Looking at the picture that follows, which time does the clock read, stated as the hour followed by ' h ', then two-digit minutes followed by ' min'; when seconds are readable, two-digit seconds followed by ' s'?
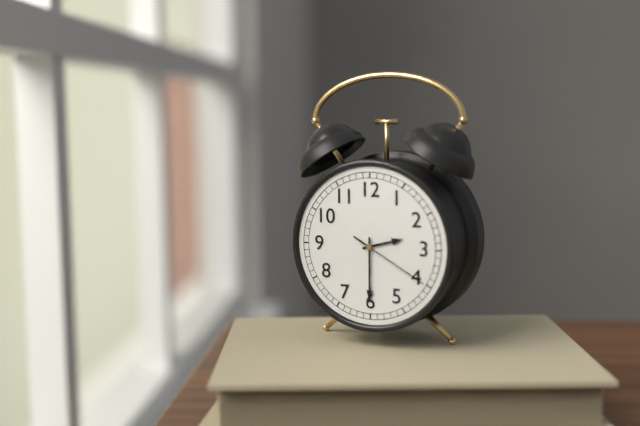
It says 2 h 30 min 20 s
